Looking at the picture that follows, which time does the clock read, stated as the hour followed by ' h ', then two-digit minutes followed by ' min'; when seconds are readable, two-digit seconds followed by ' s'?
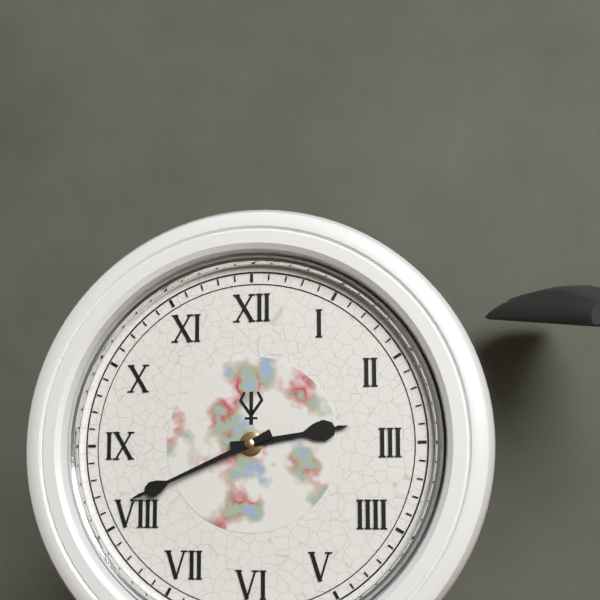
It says 2 h 41 min
